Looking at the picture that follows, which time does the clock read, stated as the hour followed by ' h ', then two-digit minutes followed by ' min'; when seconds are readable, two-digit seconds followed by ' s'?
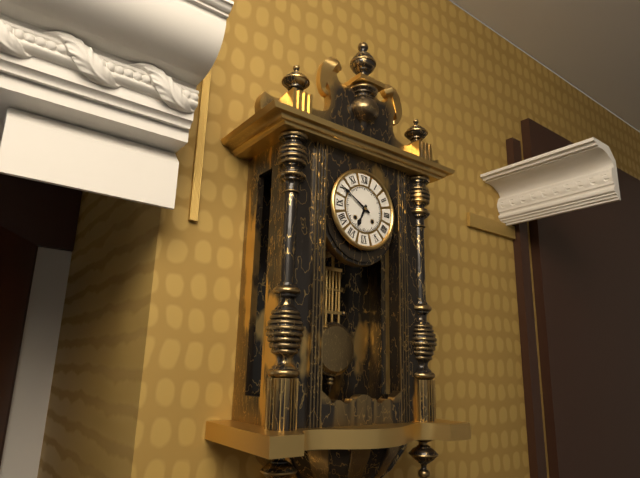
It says 6 h 50 min
